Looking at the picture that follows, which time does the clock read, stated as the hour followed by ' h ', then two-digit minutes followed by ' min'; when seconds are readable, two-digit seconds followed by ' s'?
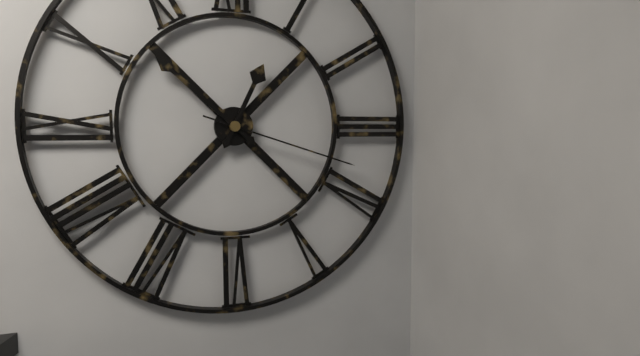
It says 12 h 52 min 18 s
